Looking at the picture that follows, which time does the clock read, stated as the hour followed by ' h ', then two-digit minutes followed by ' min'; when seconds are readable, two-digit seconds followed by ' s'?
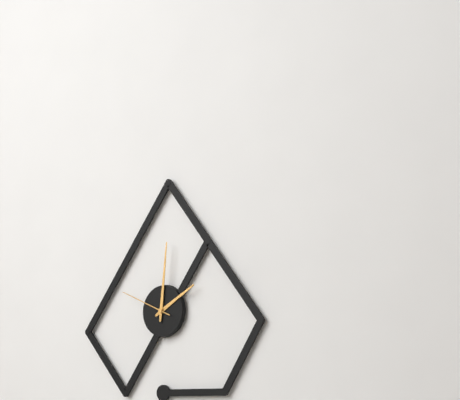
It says 2 h 01 min 49 s
